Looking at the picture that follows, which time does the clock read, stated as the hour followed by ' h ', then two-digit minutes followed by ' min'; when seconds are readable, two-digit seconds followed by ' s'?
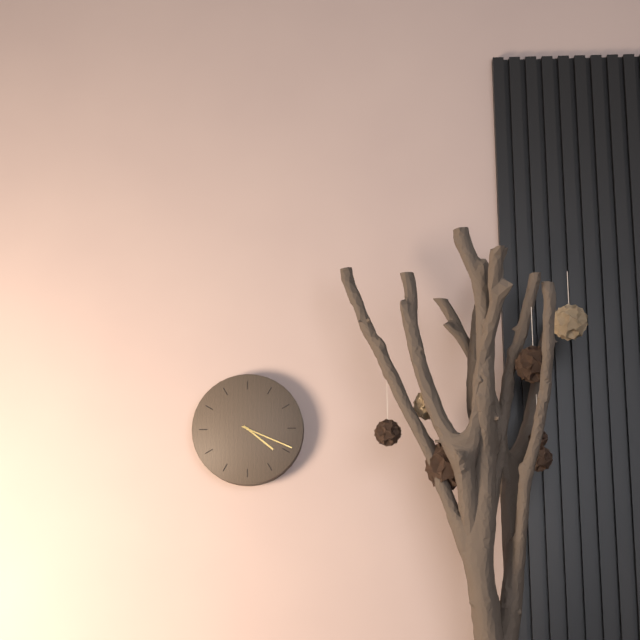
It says 4 h 19 min
